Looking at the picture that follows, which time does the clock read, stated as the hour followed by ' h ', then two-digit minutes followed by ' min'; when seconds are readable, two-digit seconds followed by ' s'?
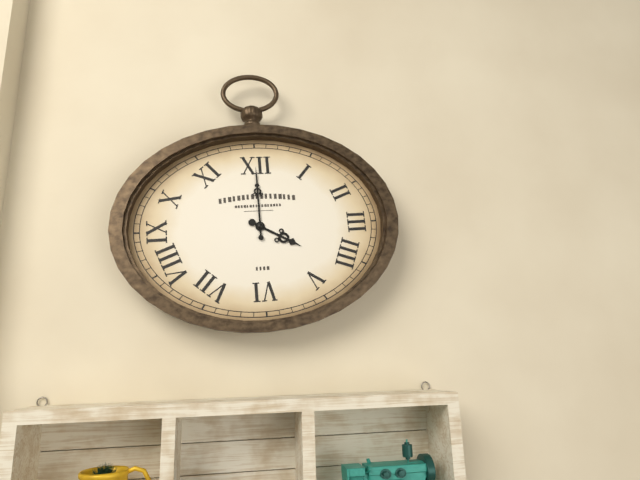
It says 4 h 00 min
